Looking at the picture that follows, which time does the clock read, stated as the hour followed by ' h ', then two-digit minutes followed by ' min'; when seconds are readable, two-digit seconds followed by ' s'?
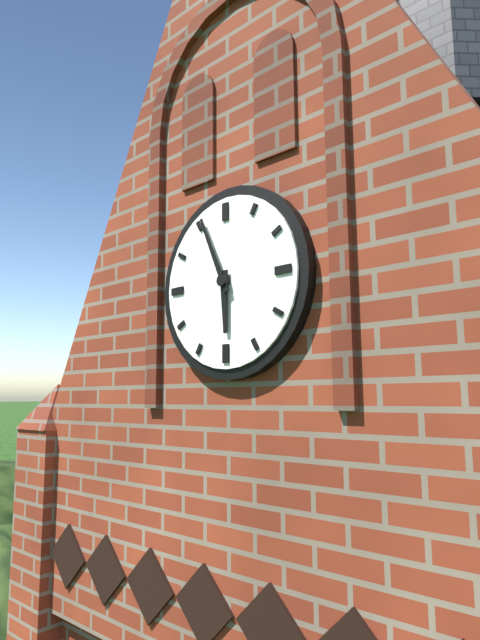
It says 5 h 56 min
